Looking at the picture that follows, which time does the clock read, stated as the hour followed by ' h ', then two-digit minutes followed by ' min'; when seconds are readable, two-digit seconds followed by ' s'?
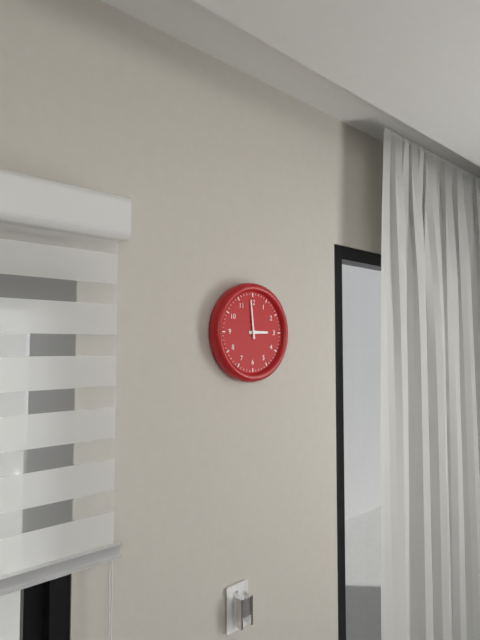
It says 2 h 59 min
